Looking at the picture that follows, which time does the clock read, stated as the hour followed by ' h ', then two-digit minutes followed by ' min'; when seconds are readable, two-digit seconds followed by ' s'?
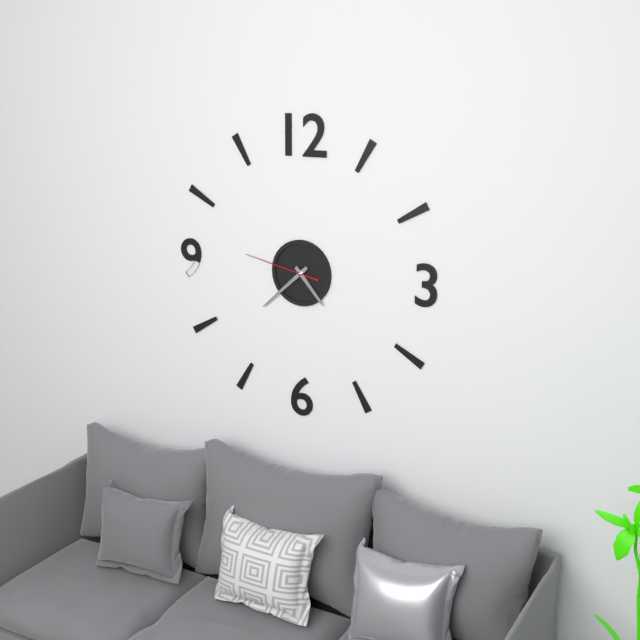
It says 4 h 38 min 47 s
